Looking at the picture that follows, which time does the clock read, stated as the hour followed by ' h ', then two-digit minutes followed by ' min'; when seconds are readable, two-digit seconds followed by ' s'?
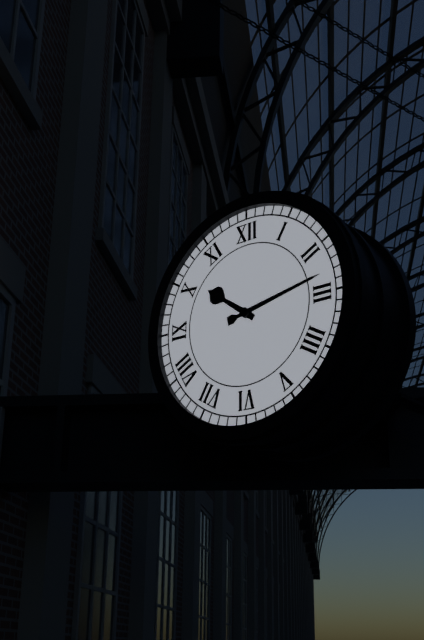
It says 10 h 13 min
